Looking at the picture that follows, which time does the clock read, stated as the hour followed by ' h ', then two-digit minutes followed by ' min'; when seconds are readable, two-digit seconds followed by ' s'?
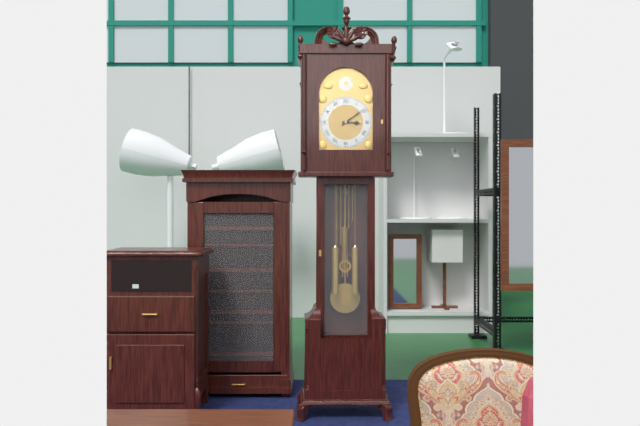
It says 3 h 09 min
